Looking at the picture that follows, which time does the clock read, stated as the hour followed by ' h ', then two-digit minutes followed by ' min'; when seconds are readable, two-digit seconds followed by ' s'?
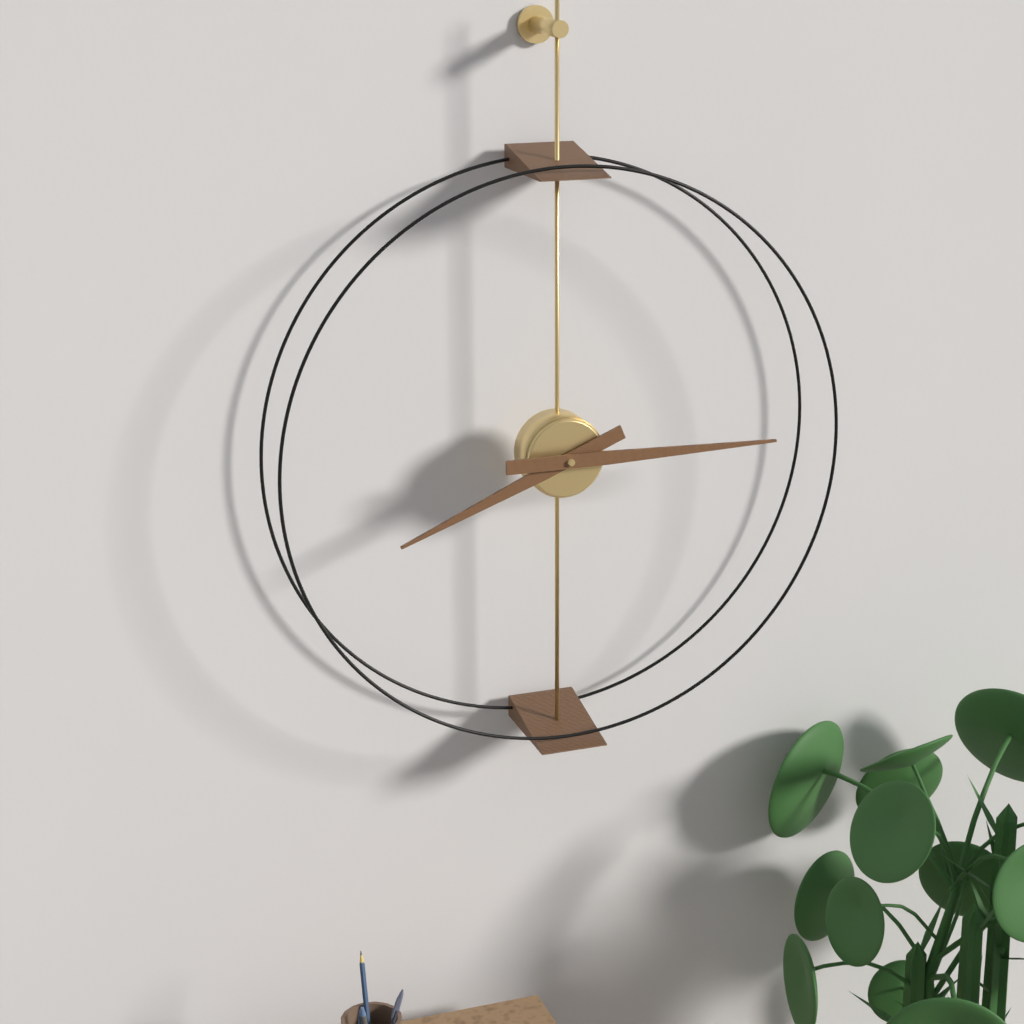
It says 8 h 15 min
